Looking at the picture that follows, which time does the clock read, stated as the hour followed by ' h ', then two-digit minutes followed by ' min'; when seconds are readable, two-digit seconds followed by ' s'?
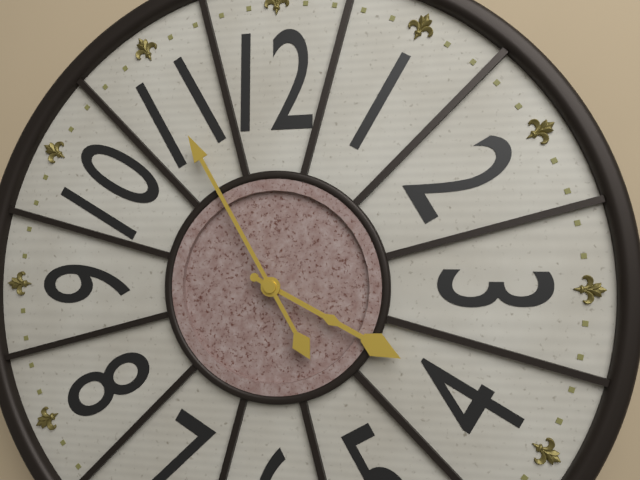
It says 3 h 55 min
